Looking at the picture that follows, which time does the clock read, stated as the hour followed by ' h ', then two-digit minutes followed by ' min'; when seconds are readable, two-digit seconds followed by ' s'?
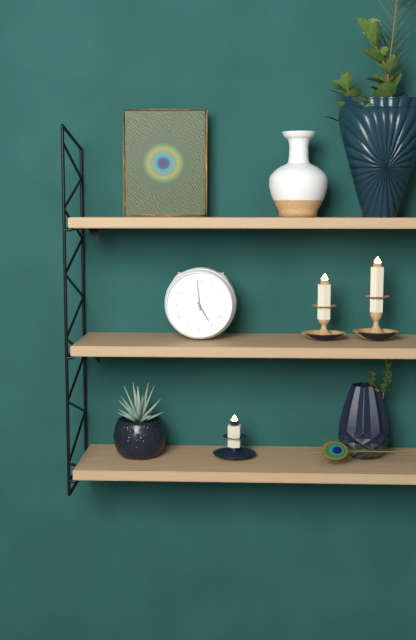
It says 4 h 59 min
